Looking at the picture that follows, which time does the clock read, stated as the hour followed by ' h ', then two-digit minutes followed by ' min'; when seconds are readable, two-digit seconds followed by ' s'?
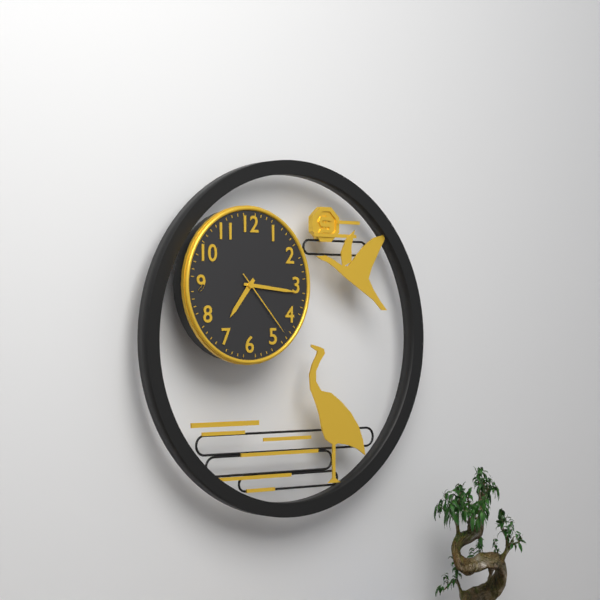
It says 7 h 16 min 23 s
